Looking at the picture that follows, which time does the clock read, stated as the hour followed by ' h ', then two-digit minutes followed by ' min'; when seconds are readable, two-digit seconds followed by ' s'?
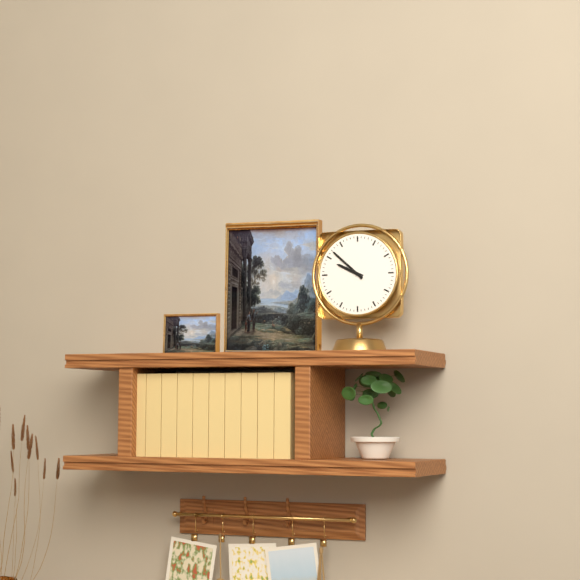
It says 9 h 52 min
